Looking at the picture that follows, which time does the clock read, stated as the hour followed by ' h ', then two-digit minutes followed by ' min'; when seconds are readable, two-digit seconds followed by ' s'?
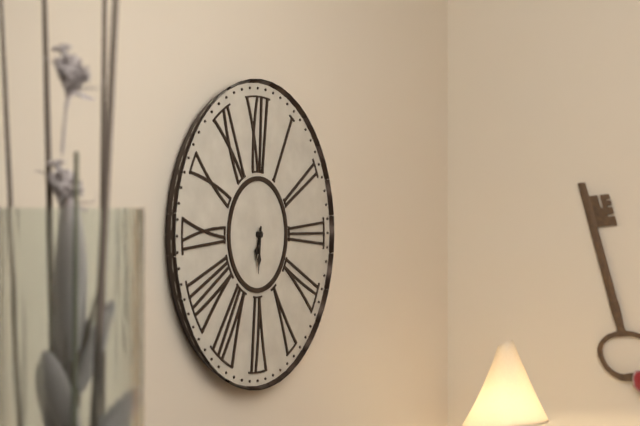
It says 6 h 31 min
